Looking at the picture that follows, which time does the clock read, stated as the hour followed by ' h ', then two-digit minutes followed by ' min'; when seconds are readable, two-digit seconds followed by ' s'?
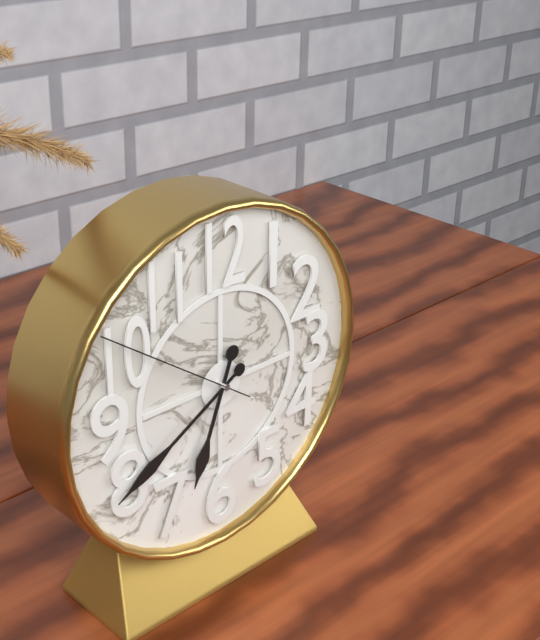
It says 6 h 40 min 51 s
